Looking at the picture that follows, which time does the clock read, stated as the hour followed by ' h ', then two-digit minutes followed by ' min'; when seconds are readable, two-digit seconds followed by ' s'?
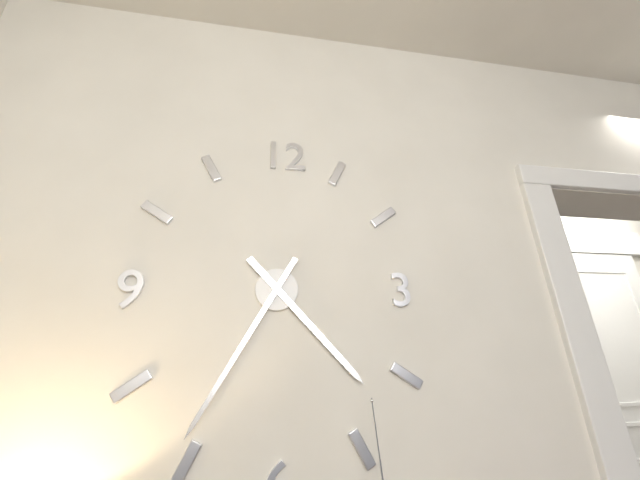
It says 4 h 35 min
